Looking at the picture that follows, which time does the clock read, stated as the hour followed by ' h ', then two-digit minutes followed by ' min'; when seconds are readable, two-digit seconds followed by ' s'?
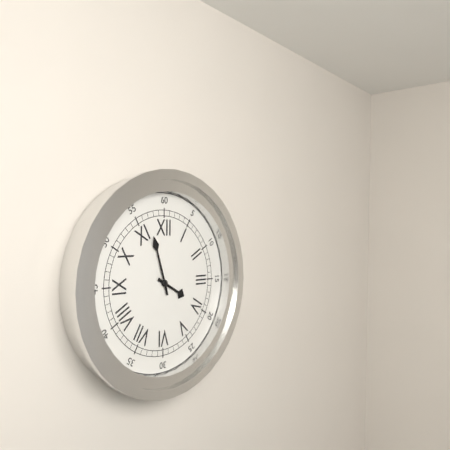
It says 3 h 57 min
